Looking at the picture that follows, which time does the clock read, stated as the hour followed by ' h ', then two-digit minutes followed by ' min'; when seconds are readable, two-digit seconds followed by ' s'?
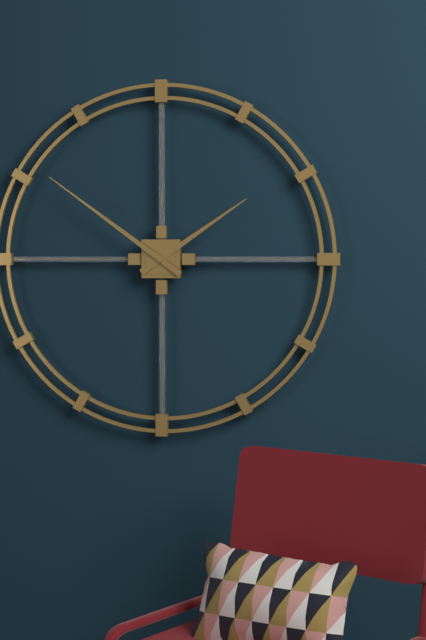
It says 1 h 51 min
